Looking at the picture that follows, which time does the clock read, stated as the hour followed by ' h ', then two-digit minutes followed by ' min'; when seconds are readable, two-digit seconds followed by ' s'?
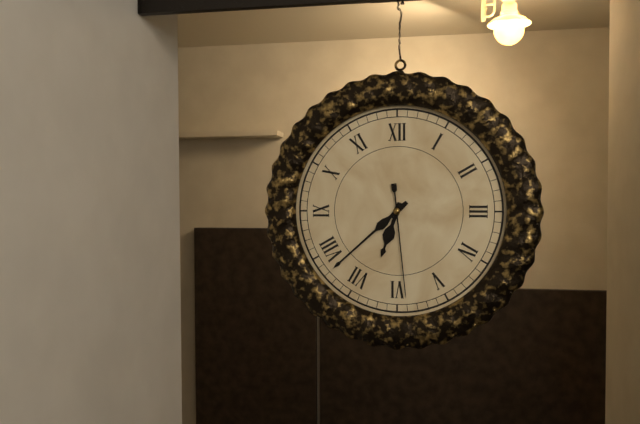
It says 6 h 38 min 29 s
